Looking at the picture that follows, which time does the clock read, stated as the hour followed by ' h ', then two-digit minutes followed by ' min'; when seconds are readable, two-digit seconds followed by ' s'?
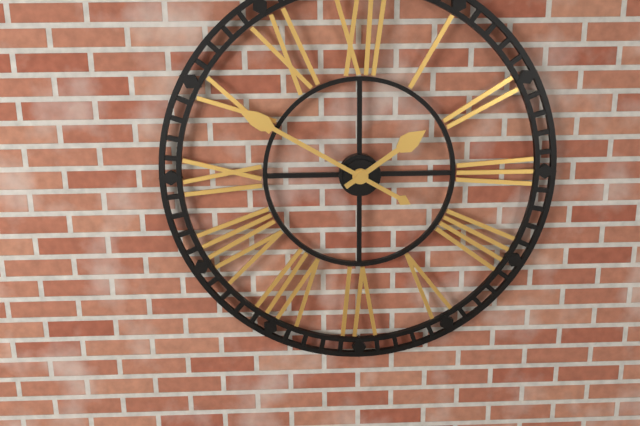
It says 1 h 50 min
